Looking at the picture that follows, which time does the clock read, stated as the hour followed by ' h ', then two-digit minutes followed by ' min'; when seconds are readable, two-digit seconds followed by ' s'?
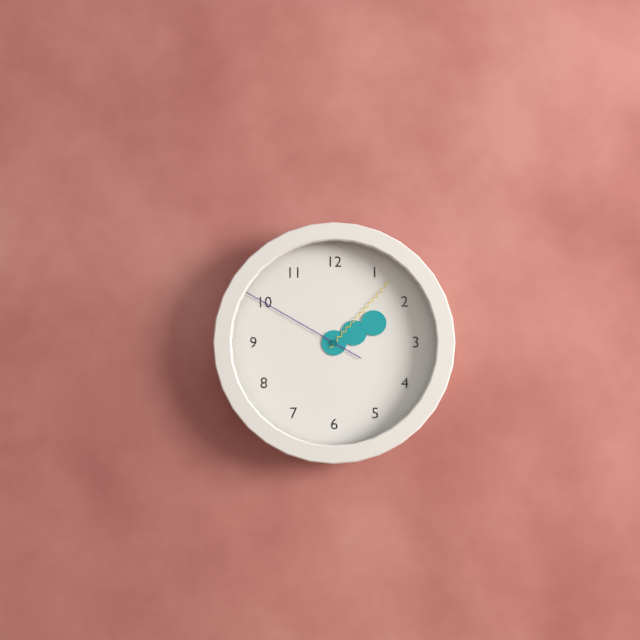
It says 2 h 07 min 50 s
